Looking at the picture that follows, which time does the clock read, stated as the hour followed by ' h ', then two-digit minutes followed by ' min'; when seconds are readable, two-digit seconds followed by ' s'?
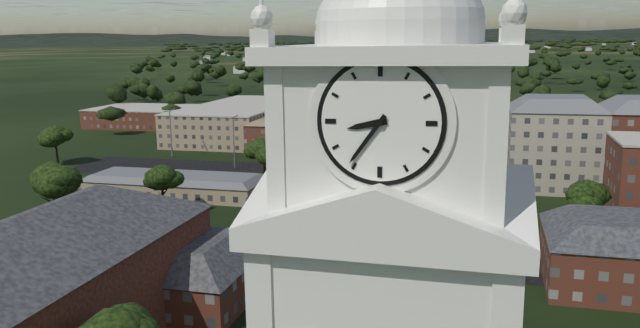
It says 8 h 36 min
